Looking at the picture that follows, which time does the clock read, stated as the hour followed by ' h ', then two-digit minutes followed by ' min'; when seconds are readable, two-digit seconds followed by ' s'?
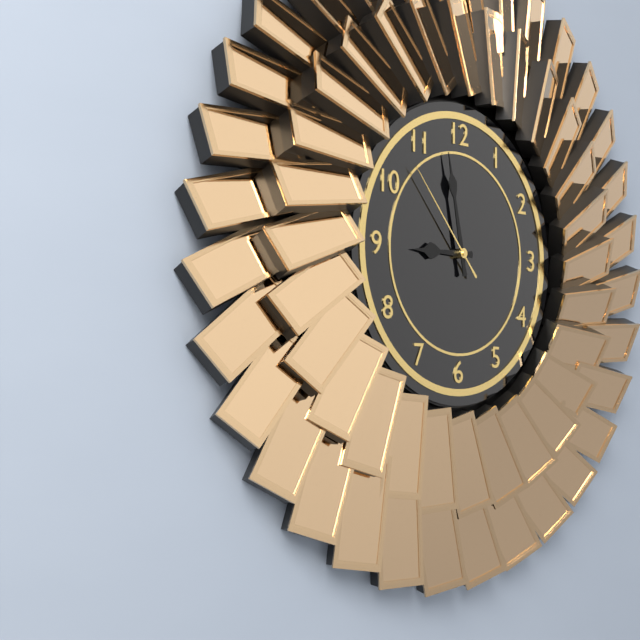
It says 8 h 58 min 53 s
